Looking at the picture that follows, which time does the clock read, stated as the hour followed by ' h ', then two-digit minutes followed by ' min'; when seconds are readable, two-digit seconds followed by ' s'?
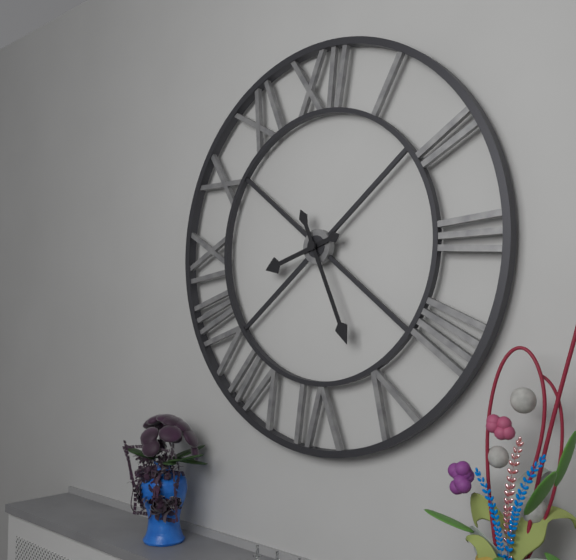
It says 8 h 26 min
